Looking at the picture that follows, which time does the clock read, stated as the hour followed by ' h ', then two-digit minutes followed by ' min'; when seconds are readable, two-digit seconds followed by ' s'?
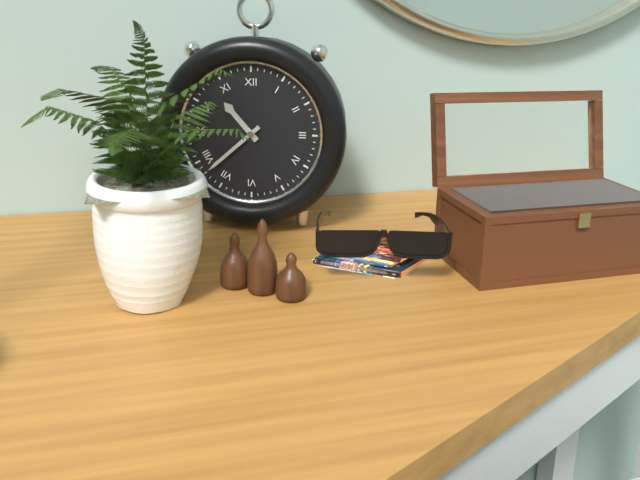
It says 10 h 38 min
